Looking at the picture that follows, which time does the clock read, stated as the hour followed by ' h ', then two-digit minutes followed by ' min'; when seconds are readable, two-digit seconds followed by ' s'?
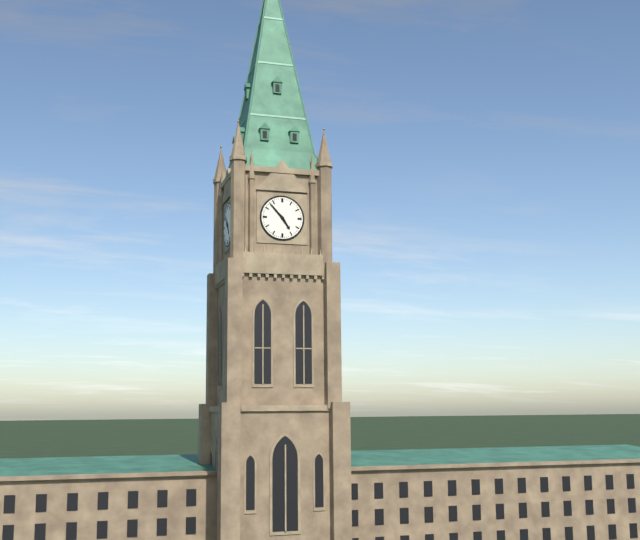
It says 4 h 53 min
